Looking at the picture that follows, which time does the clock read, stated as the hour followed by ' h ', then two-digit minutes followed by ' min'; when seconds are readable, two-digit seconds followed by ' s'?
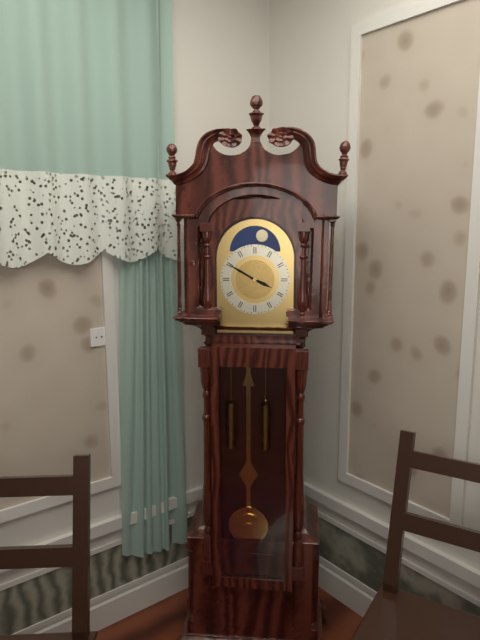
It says 3 h 50 min
